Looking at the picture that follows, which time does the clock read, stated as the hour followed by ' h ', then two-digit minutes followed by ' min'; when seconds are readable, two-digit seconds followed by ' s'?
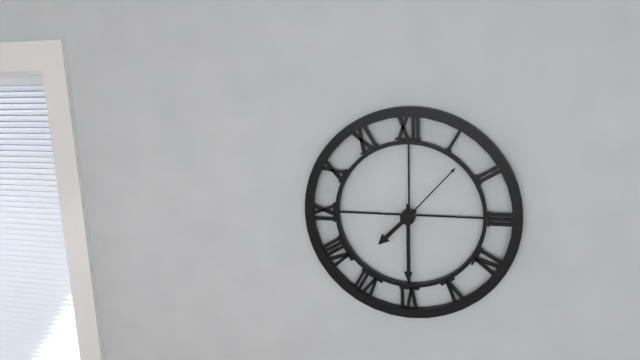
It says 7 h 30 min 07 s
